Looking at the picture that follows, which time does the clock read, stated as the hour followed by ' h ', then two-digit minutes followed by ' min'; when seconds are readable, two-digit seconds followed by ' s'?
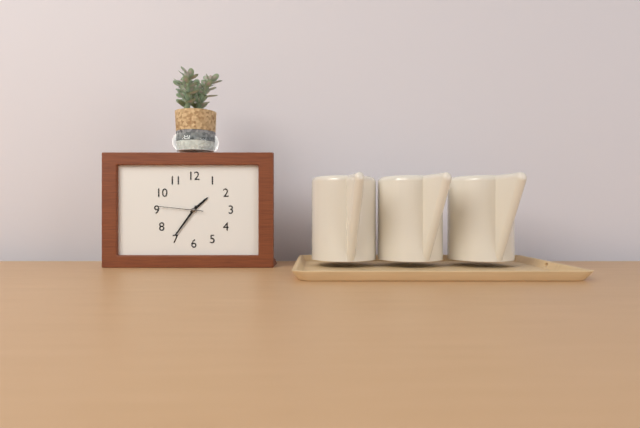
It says 1 h 36 min
